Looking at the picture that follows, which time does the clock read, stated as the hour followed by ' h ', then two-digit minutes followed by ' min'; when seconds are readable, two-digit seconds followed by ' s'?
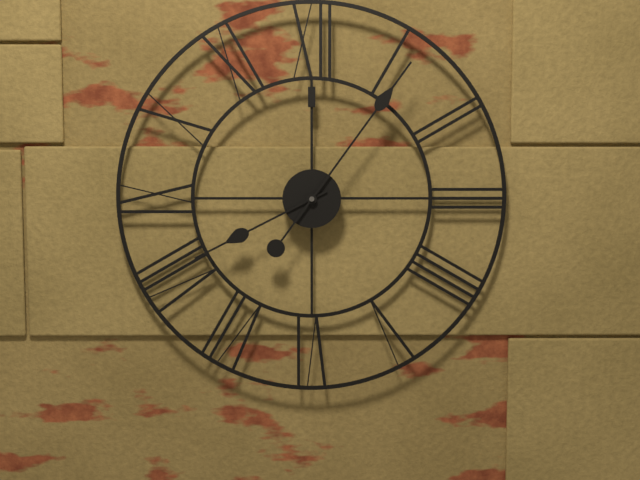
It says 8 h 06 min
